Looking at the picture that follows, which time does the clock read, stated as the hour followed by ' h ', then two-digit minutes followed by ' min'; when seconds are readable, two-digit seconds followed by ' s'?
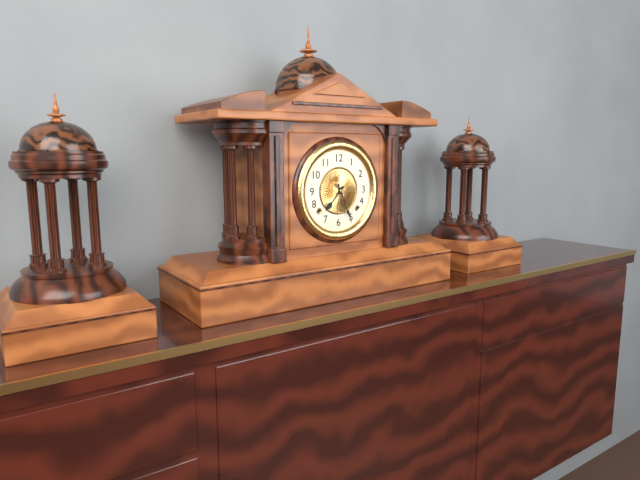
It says 7 h 26 min
